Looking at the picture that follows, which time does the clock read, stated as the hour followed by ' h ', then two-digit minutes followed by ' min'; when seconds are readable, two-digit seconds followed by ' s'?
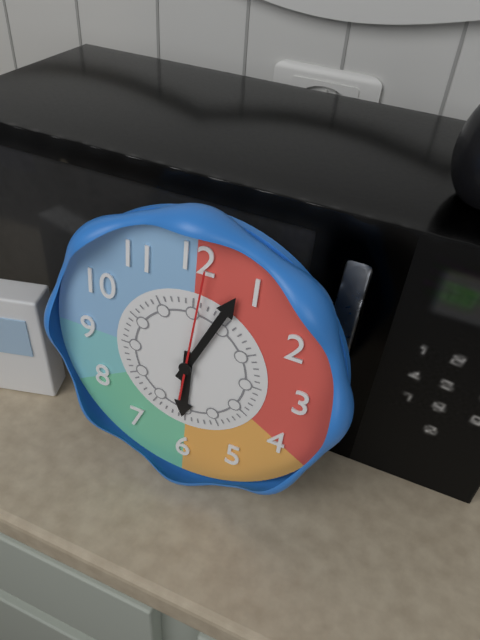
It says 6 h 04 min 01 s
